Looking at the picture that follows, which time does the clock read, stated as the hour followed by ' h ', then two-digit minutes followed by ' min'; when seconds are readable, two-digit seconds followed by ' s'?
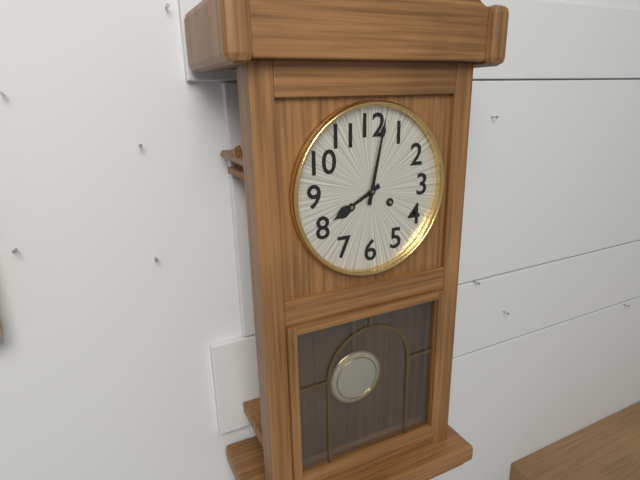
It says 8 h 02 min
